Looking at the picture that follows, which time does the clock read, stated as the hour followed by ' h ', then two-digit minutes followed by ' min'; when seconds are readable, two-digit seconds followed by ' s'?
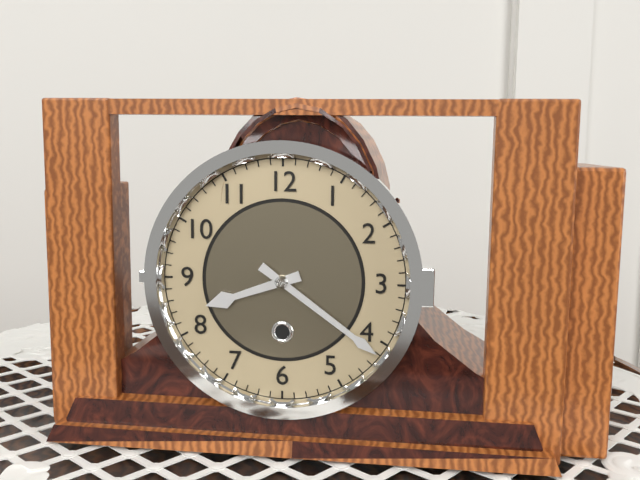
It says 8 h 21 min
